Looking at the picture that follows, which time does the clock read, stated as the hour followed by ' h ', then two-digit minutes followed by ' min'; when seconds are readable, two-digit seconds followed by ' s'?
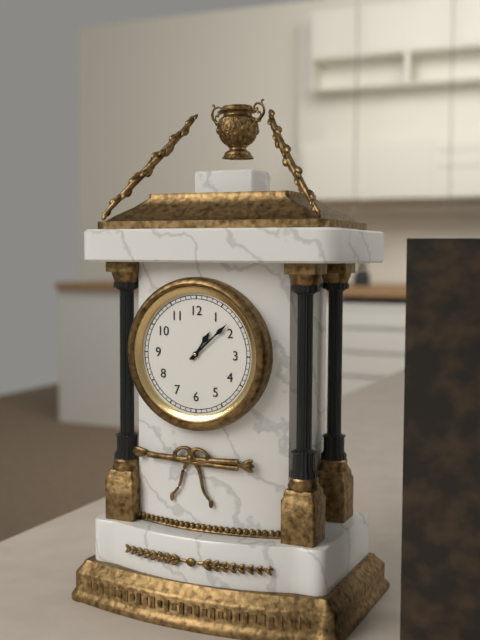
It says 1 h 08 min
